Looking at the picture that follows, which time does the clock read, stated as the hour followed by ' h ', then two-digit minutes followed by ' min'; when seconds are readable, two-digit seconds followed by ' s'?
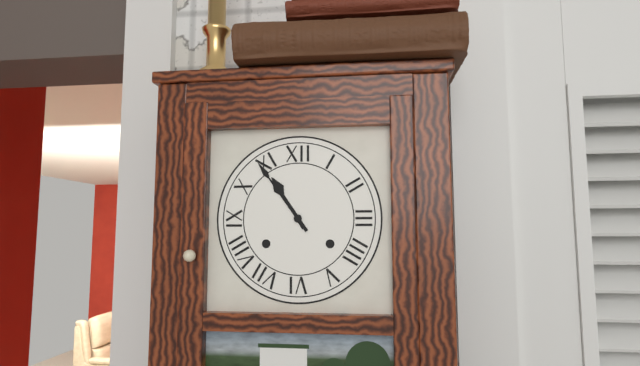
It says 10 h 54 min
